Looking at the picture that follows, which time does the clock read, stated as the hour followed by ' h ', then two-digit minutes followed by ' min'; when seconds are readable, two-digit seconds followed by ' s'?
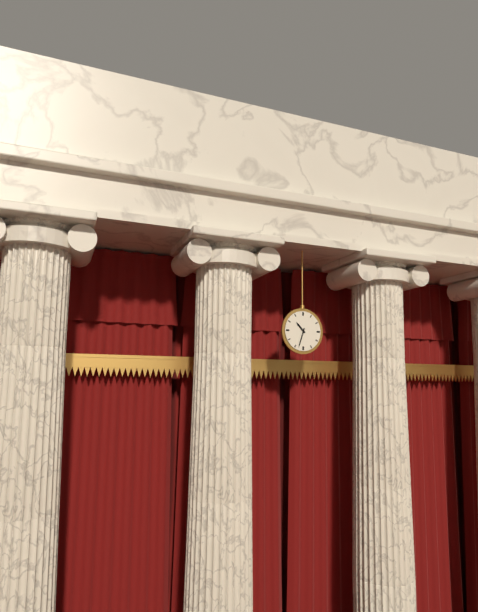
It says 10 h 33 min
